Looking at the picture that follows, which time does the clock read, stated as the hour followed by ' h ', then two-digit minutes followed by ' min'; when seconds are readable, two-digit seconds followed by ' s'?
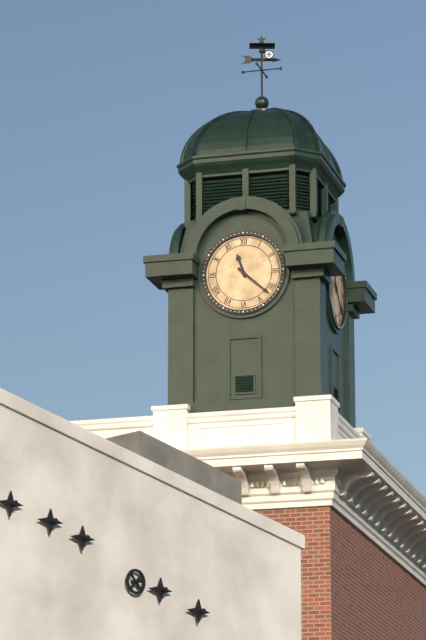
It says 11 h 22 min
